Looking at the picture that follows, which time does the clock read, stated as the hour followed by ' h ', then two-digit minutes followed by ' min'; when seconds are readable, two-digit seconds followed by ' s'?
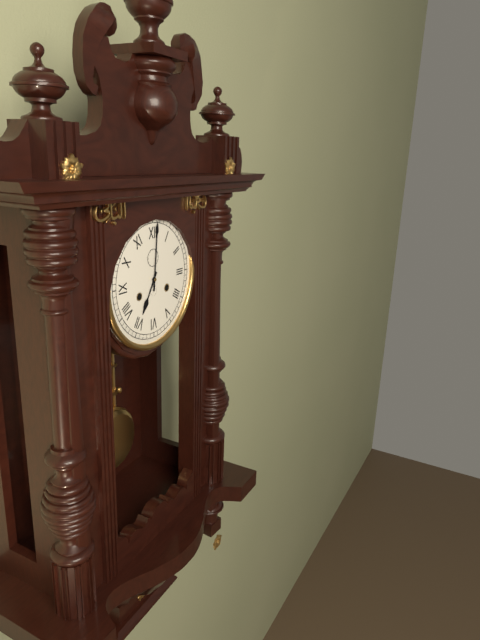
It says 7 h 01 min
